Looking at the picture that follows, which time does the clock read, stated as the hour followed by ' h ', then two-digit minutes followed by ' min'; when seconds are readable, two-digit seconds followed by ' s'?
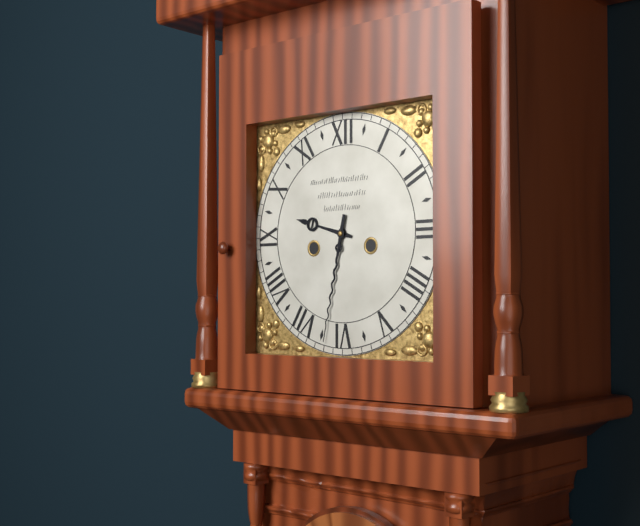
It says 9 h 32 min
